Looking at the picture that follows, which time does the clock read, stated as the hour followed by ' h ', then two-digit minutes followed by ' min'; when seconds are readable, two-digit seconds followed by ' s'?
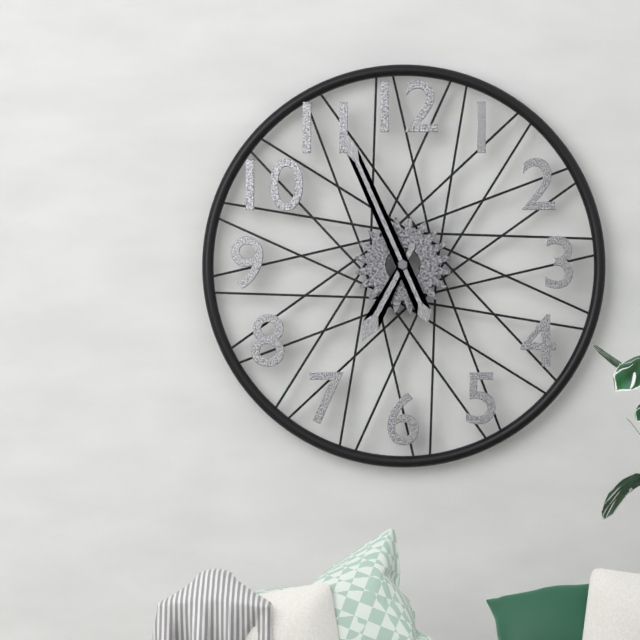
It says 6 h 56 min
